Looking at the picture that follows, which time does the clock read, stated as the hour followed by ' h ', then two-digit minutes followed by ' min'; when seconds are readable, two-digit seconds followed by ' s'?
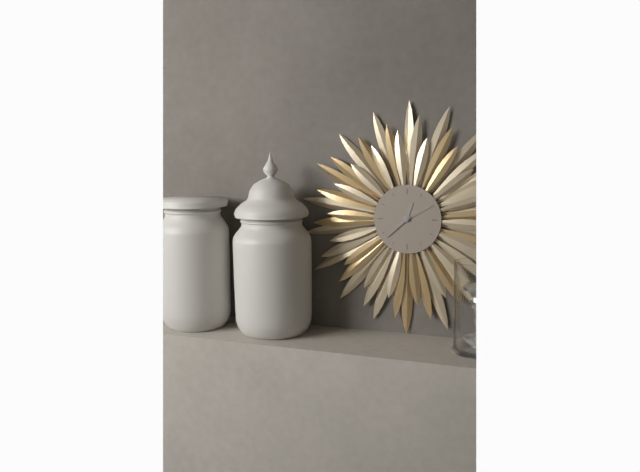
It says 12 h 38 min
